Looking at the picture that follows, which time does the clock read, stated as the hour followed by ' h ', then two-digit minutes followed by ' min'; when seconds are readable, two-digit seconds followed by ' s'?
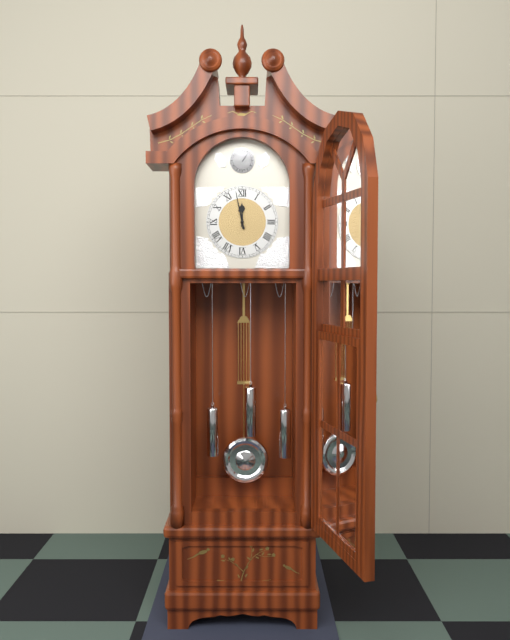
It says 11 h 58 min
